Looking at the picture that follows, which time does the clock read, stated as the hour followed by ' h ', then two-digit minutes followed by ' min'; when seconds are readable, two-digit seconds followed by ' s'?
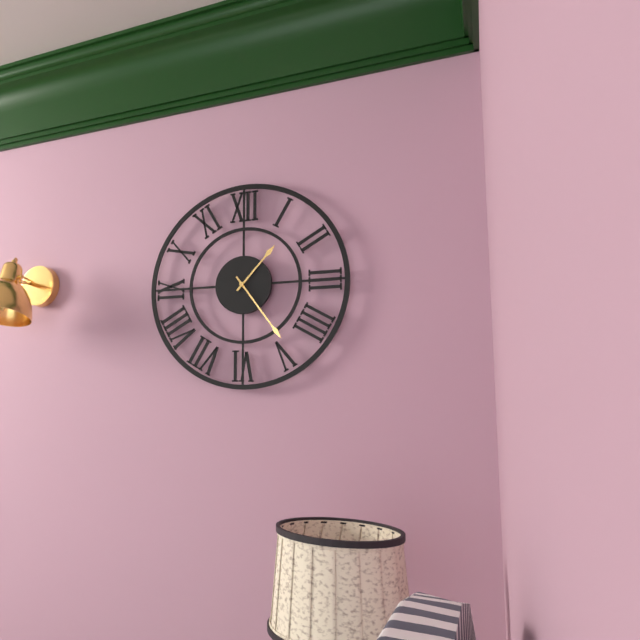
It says 1 h 24 min
